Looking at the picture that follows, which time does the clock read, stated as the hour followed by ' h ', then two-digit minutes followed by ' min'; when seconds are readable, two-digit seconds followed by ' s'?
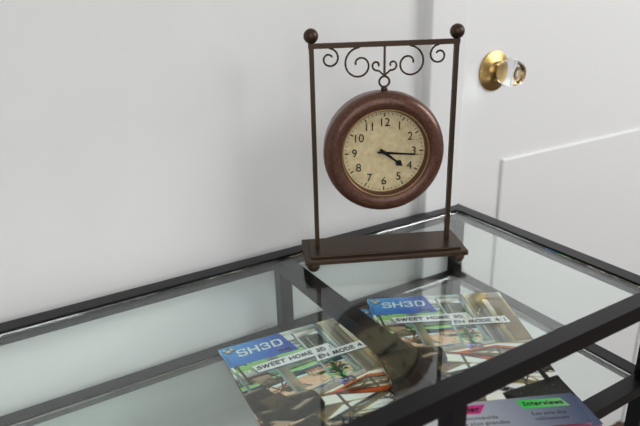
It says 4 h 16 min
